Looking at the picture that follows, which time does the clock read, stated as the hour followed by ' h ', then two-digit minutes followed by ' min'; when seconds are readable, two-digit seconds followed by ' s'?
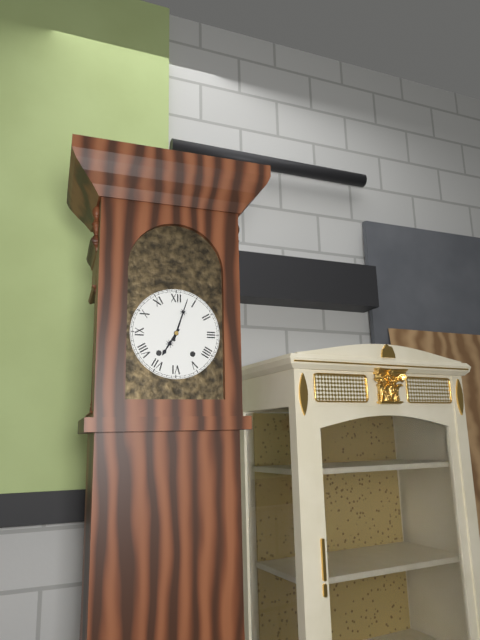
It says 7 h 03 min
